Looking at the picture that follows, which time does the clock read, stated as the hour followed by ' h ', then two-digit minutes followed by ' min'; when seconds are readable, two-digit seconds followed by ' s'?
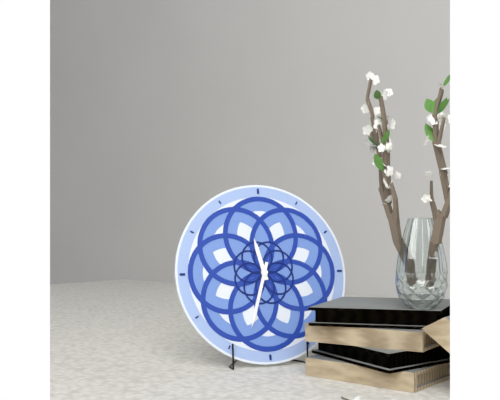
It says 11 h 33 min
